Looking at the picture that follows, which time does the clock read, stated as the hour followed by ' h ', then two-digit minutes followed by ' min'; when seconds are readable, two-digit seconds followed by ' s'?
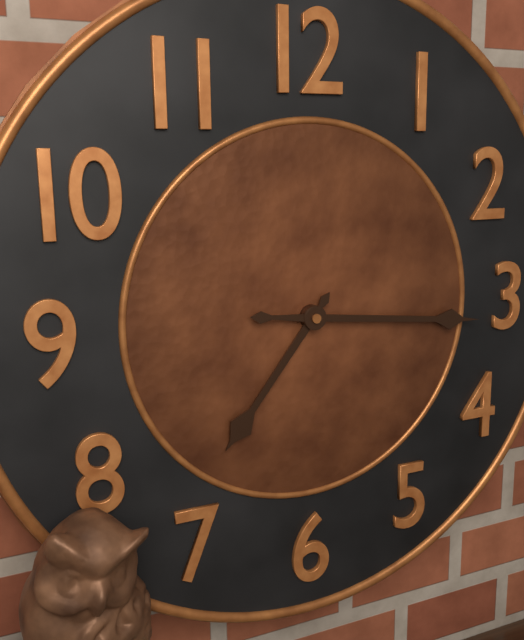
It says 7 h 16 min
